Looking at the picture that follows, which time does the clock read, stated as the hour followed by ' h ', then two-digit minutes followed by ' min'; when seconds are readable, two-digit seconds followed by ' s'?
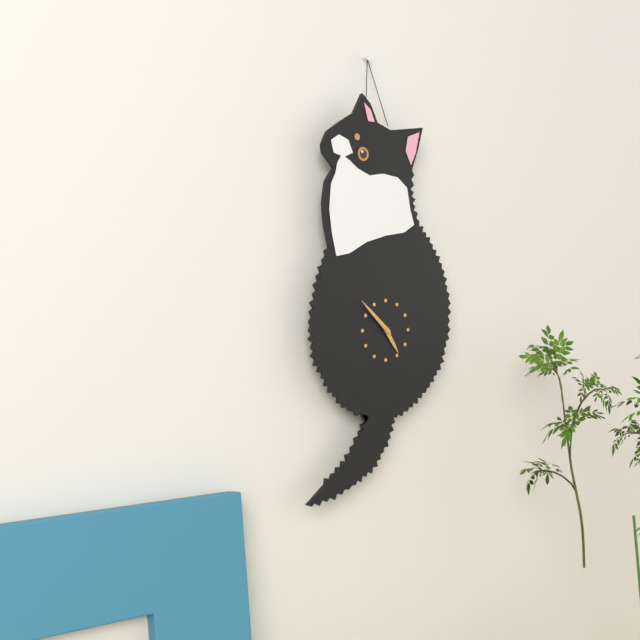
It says 4 h 52 min
